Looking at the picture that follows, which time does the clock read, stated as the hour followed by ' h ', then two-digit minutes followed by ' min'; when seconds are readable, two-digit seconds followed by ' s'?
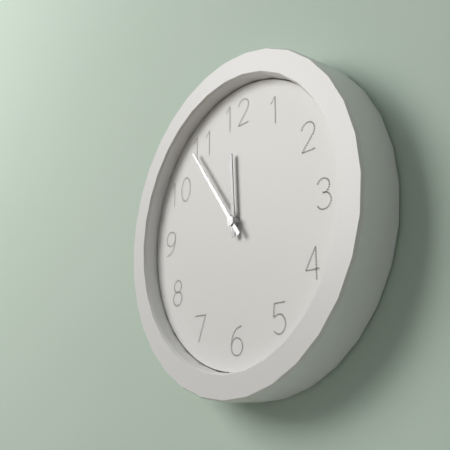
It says 11 h 54 min
